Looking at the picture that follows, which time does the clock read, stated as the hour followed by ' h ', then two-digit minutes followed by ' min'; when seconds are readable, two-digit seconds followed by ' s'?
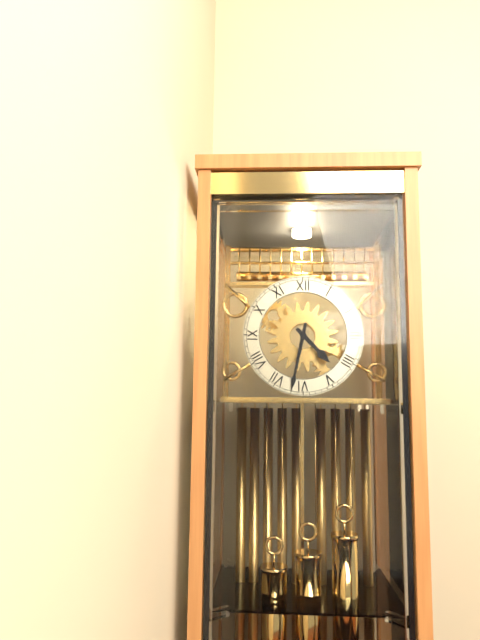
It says 4 h 32 min
